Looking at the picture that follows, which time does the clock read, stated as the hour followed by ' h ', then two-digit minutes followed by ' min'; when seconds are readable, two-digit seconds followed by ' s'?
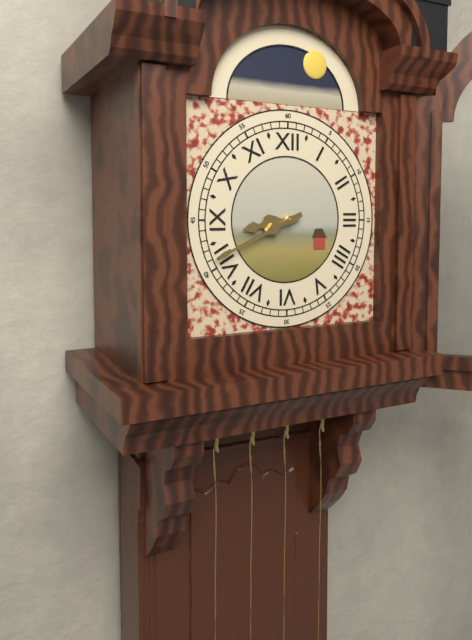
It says 8 h 41 min
